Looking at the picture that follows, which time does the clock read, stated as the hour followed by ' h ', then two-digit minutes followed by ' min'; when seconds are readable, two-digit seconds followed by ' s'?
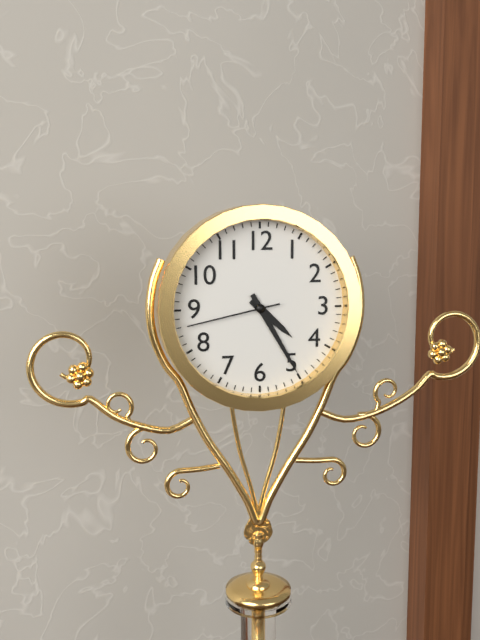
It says 4 h 25 min 43 s
